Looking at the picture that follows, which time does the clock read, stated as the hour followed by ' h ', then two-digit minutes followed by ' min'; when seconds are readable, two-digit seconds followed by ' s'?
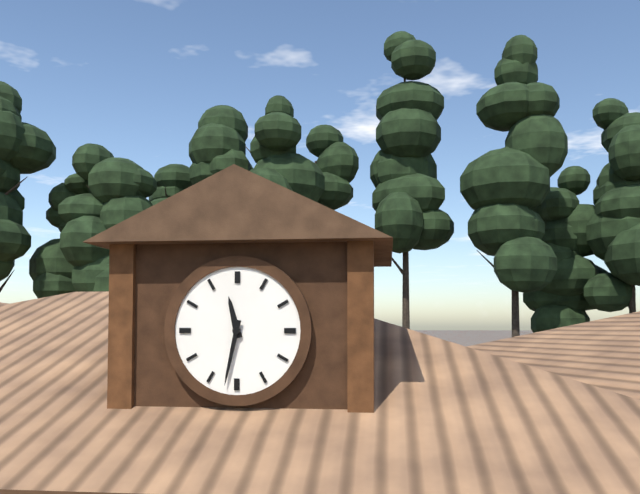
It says 11 h 32 min
